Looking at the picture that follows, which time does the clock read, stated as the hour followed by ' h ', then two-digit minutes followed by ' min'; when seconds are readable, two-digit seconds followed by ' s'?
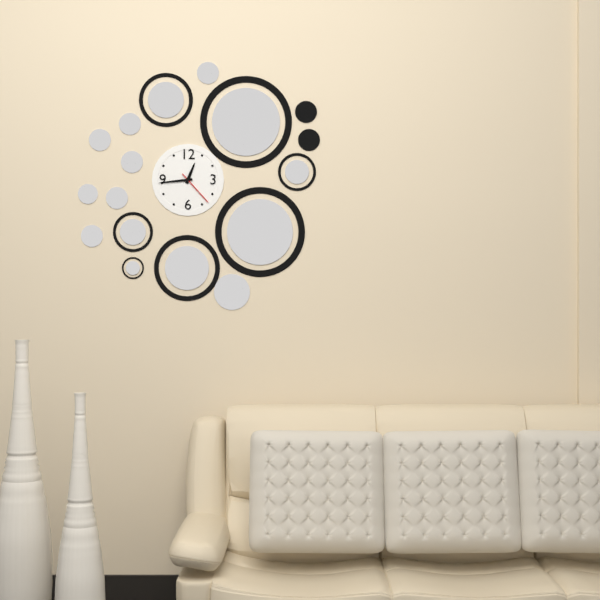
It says 12 h 44 min
